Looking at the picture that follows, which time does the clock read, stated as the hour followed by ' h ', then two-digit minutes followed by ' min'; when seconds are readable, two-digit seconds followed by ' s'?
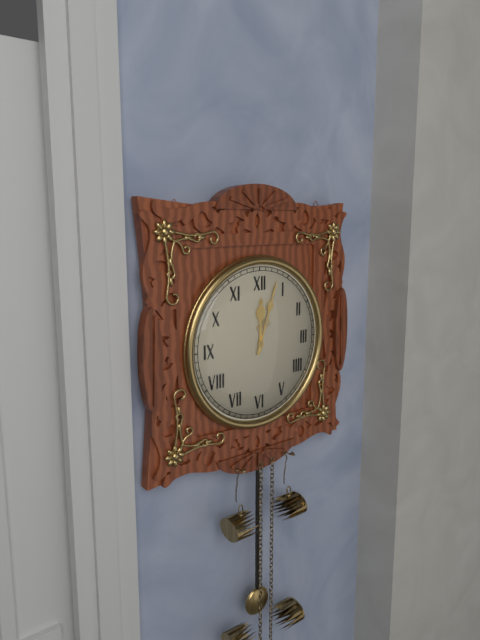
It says 12 h 03 min
